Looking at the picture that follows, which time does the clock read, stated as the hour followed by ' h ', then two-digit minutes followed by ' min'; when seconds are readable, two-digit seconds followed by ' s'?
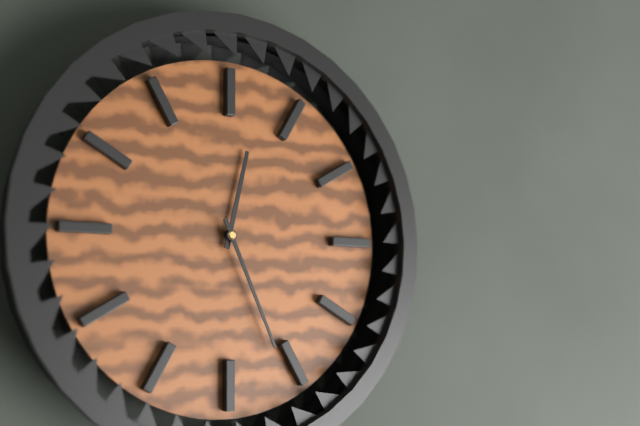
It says 12 h 26 min
